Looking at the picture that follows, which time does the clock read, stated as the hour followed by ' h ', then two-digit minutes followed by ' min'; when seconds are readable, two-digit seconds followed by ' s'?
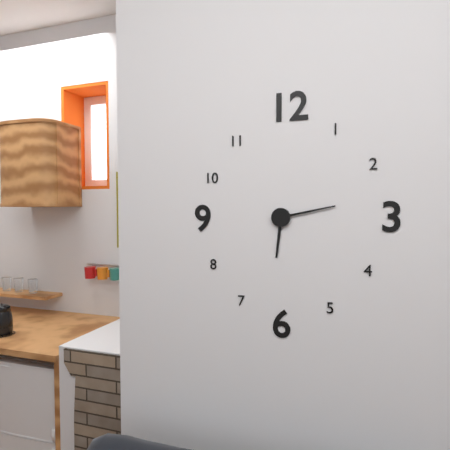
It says 6 h 13 min
